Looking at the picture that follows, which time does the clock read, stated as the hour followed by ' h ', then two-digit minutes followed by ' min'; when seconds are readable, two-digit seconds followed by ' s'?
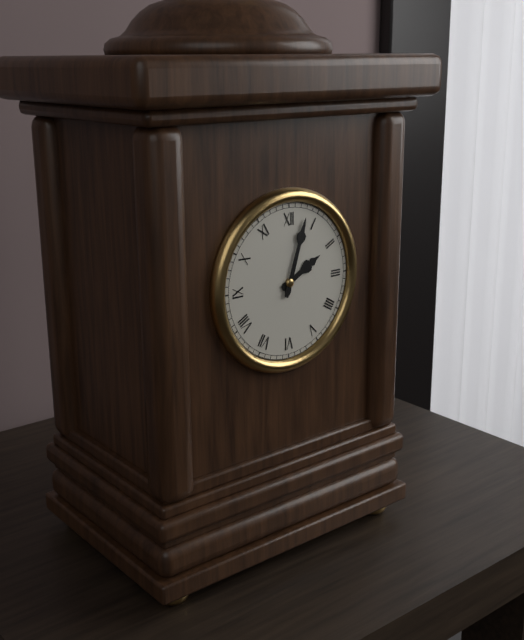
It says 2 h 03 min
